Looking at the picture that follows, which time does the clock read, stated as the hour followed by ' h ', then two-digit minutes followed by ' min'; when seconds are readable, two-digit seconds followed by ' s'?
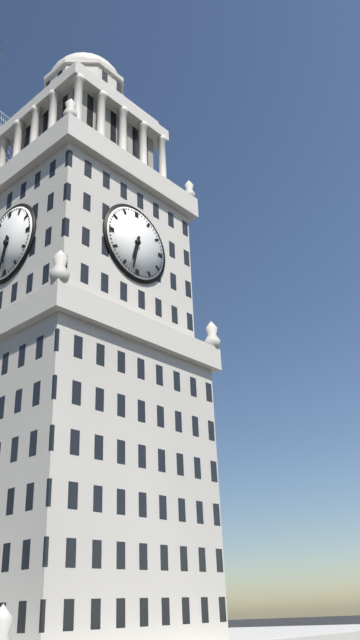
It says 6 h 32 min
